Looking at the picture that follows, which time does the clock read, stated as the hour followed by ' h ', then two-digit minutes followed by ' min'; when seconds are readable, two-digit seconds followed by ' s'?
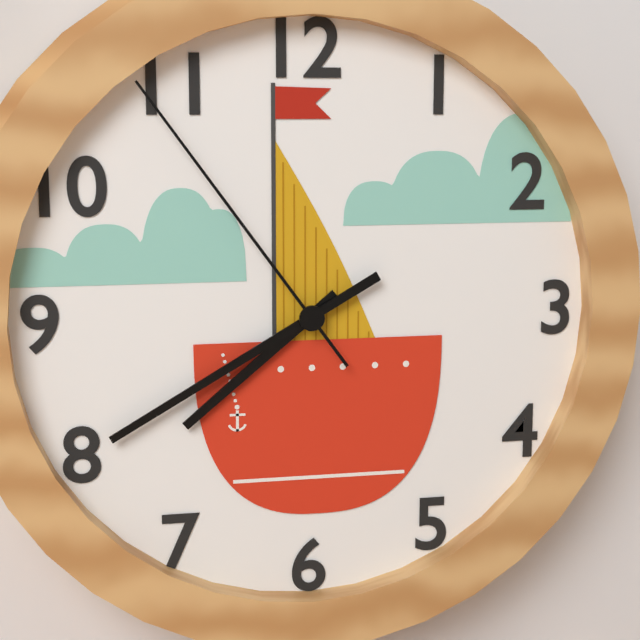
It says 7 h 40 min 54 s
